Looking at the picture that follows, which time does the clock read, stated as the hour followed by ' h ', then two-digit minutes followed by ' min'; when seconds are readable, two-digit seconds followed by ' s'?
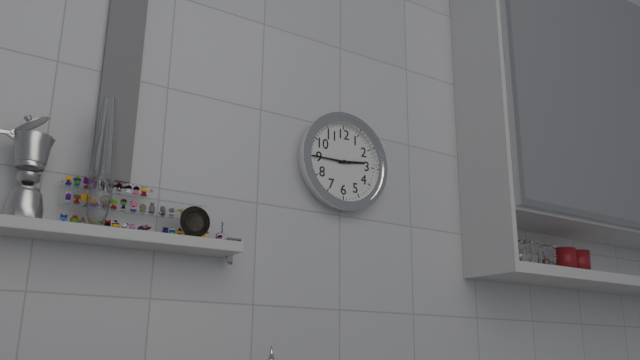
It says 2 h 45 min
